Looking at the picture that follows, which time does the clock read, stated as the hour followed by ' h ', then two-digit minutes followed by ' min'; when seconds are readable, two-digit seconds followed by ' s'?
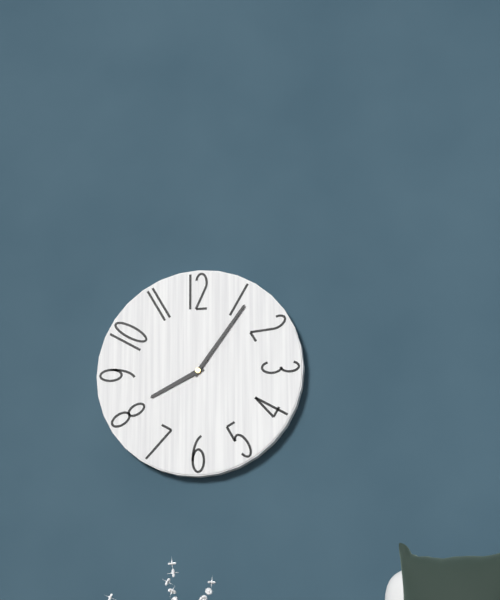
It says 8 h 06 min
